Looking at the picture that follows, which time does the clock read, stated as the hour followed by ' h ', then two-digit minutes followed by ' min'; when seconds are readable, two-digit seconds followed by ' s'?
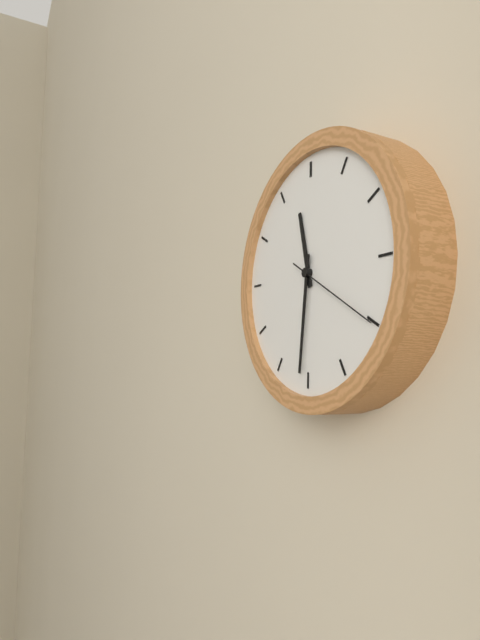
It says 11 h 31 min 20 s
